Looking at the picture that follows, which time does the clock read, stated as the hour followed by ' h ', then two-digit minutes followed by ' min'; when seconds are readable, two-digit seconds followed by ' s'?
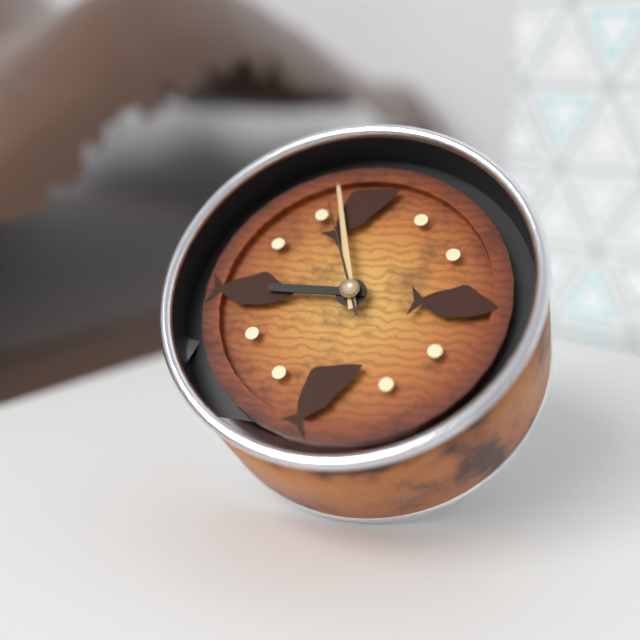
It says 8 h 57 min 56 s
